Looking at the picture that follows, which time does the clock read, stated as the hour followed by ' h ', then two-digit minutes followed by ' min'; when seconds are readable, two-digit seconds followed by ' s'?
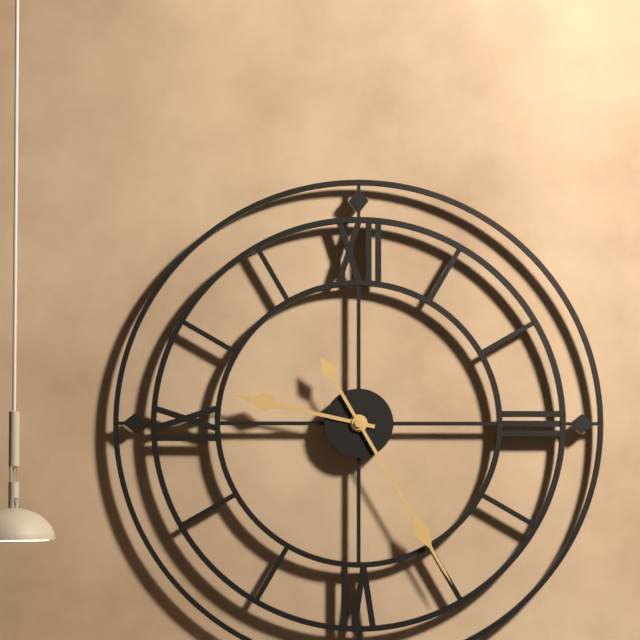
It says 9 h 25 min
